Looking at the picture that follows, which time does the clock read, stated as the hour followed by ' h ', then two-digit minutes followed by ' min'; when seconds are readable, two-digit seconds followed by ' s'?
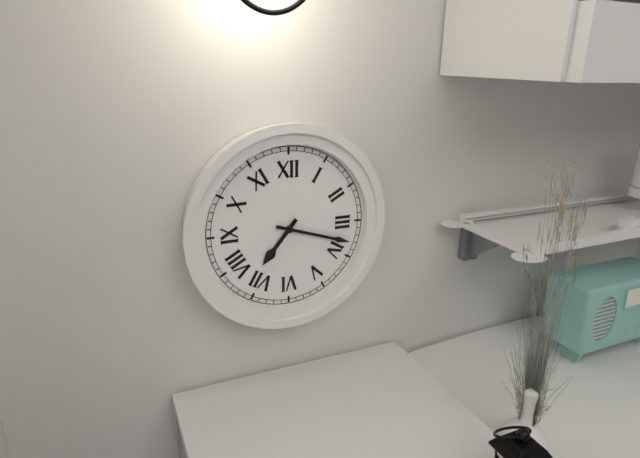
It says 7 h 18 min
